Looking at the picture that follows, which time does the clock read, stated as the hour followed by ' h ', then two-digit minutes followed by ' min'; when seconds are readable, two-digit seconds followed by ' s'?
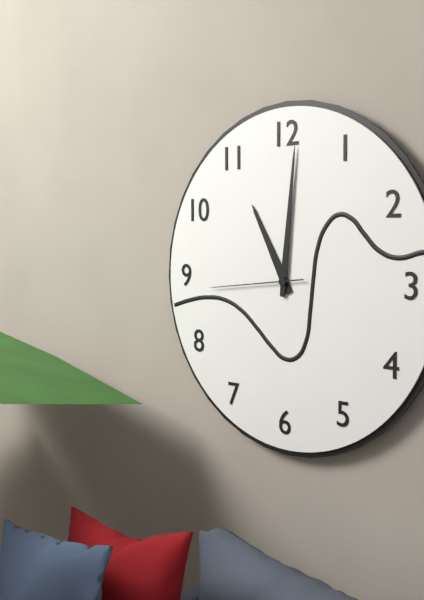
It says 11 h 01 min 44 s
